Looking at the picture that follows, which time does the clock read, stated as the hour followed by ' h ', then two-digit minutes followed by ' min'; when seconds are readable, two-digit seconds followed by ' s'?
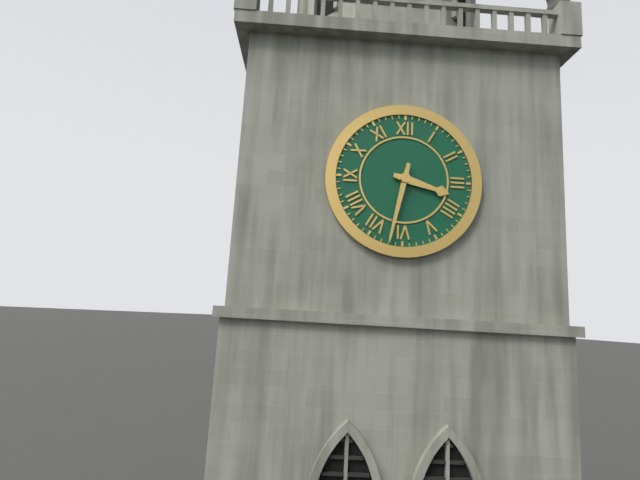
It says 3 h 32 min
